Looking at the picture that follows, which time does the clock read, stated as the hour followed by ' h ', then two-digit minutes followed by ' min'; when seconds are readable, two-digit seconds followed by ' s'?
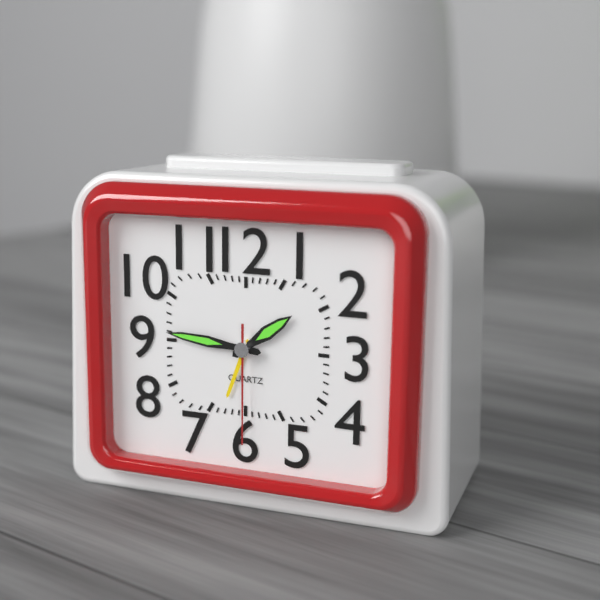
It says 1 h 46 min 30 s
